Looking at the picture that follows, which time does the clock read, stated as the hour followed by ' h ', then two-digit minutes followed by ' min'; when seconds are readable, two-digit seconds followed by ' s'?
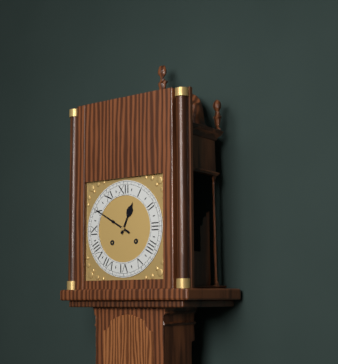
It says 12 h 50 min
